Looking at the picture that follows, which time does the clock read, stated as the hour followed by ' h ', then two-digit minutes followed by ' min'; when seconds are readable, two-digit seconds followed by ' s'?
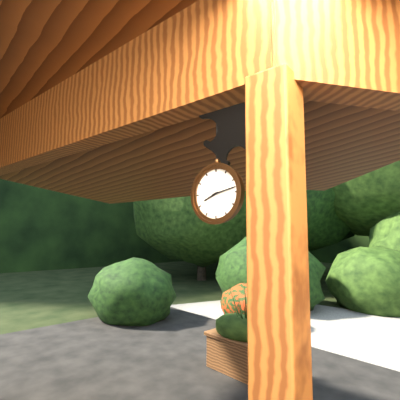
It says 8 h 13 min
